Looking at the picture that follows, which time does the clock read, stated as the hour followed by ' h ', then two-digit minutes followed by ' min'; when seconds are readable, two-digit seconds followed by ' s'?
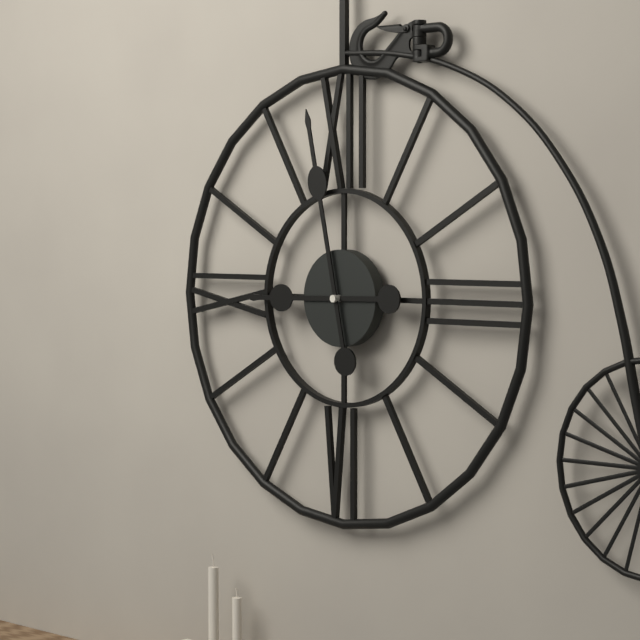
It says 8 h 58 min
